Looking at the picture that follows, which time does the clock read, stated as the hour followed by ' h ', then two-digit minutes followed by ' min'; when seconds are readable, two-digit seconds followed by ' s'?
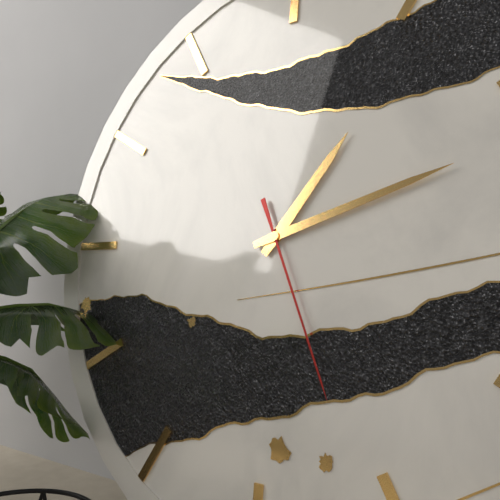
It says 1 h 12 min 26 s
